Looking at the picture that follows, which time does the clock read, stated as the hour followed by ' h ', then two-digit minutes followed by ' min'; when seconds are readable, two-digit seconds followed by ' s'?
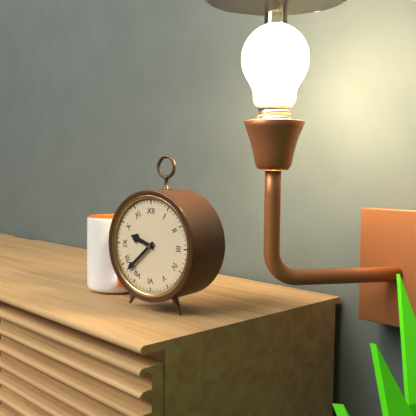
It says 9 h 38 min
